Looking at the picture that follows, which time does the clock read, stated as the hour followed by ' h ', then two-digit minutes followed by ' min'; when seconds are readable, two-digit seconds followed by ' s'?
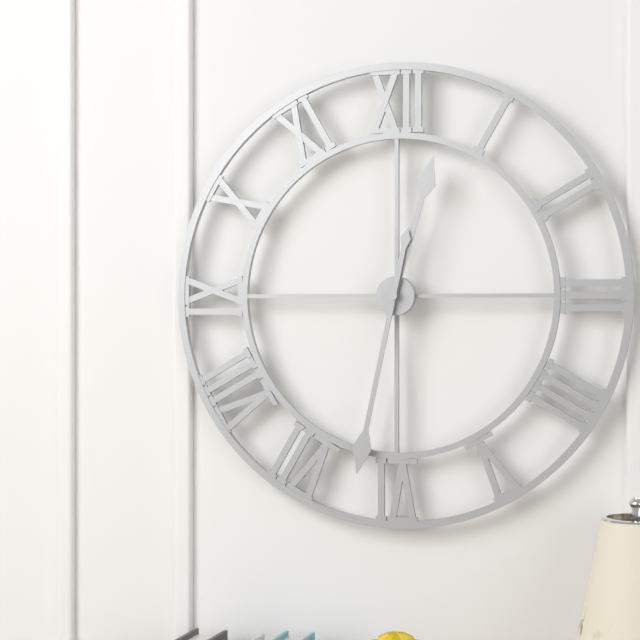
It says 12 h 32 min
